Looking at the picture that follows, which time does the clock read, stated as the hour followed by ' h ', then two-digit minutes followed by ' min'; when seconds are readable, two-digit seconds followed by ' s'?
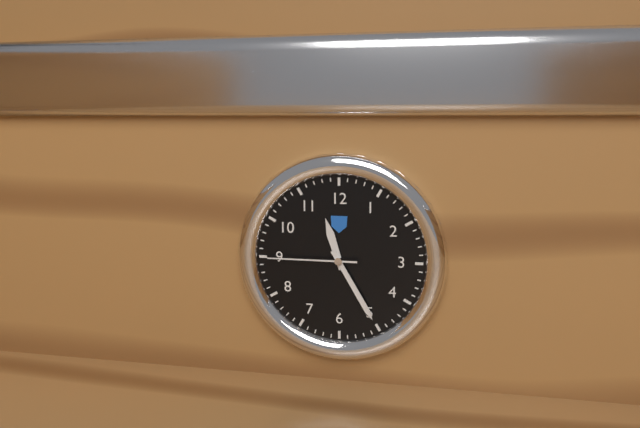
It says 11 h 25 min 45 s
